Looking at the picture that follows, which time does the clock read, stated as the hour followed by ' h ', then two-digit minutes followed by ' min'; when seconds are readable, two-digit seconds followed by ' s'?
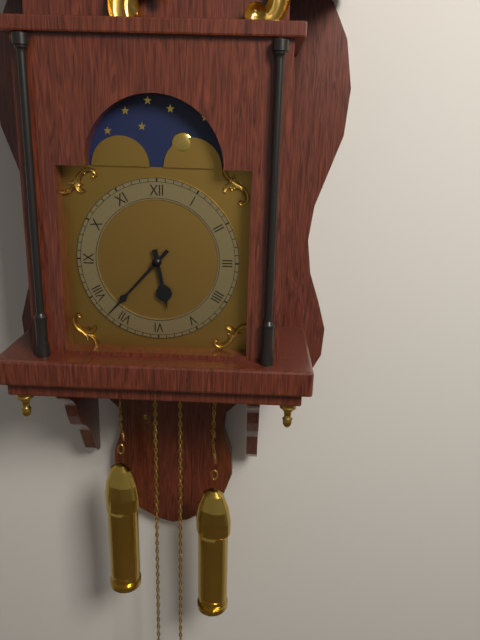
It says 5 h 37 min
